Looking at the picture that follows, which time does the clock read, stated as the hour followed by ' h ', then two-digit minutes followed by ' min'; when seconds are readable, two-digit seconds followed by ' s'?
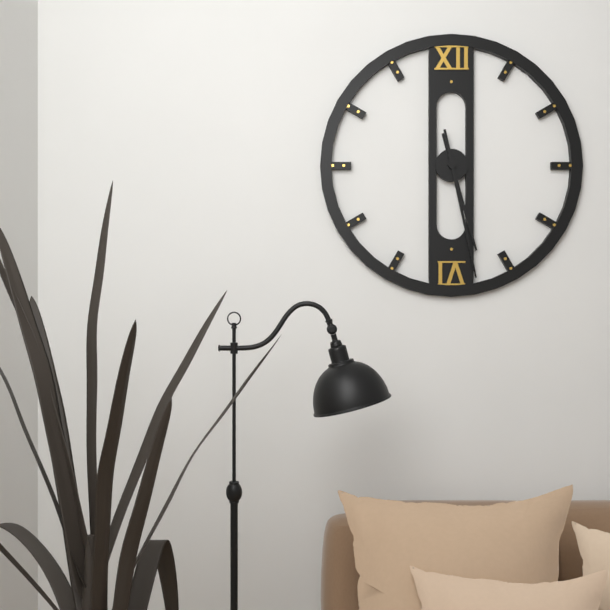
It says 5 h 28 min
